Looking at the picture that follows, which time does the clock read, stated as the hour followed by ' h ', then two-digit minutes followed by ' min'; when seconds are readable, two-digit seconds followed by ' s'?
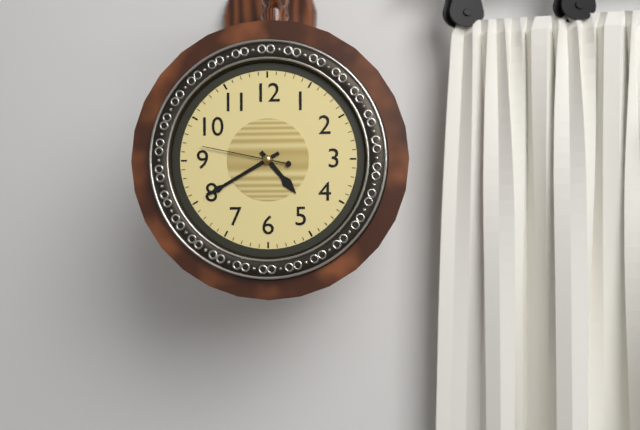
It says 4 h 40 min 47 s
